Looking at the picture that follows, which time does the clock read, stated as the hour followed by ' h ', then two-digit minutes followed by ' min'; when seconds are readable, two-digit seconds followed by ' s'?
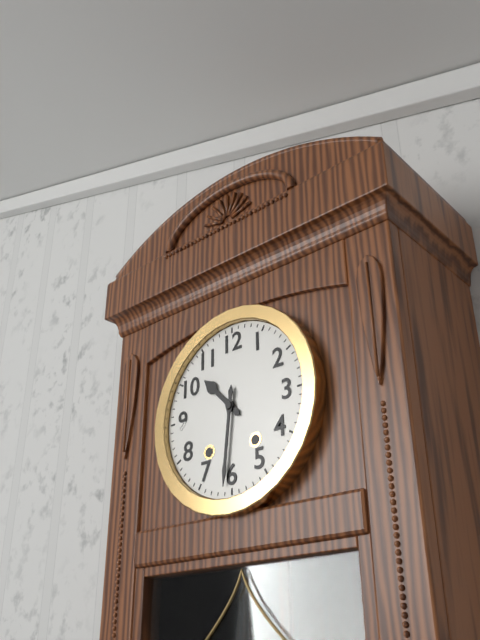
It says 10 h 31 min
